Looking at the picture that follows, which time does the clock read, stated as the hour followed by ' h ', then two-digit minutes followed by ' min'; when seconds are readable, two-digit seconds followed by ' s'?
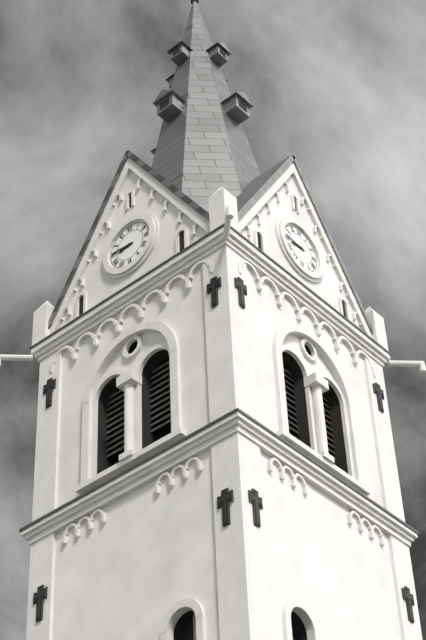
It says 8 h 46 min
